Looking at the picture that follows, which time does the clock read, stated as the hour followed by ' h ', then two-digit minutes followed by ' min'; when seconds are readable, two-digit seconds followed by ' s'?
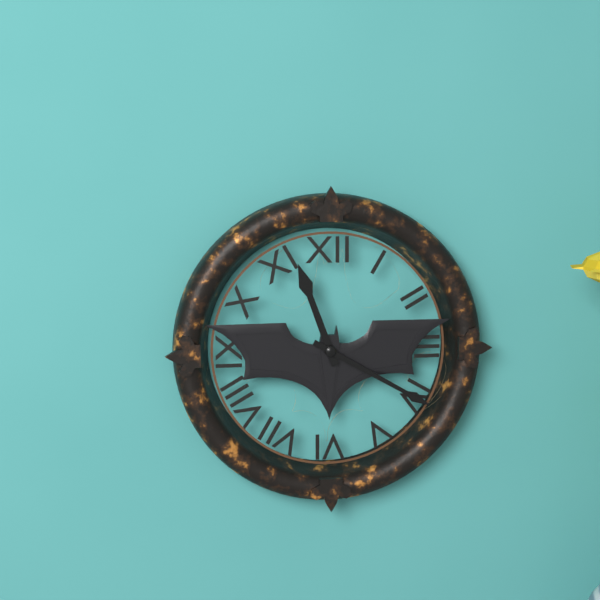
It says 11 h 20 min
